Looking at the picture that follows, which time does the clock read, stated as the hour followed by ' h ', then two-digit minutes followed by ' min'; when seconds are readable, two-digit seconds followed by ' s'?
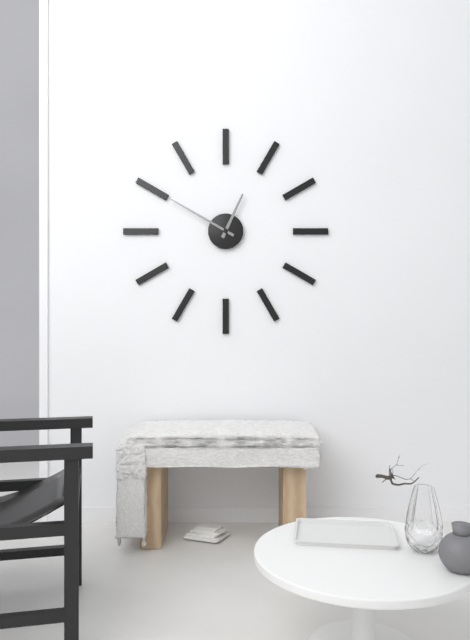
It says 12 h 50 min
